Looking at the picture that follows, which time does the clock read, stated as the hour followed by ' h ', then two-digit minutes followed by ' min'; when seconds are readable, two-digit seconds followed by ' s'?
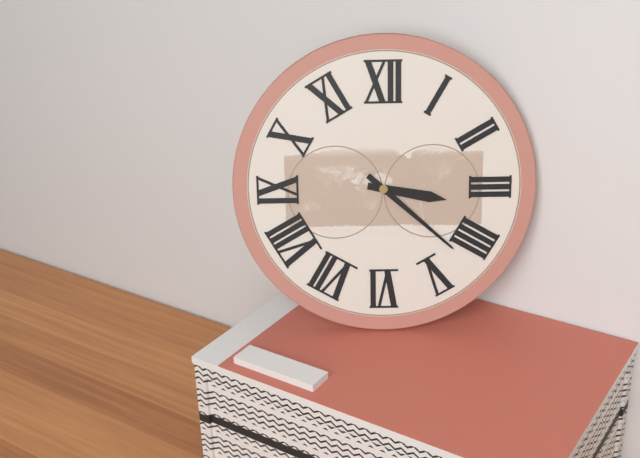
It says 3 h 22 min
